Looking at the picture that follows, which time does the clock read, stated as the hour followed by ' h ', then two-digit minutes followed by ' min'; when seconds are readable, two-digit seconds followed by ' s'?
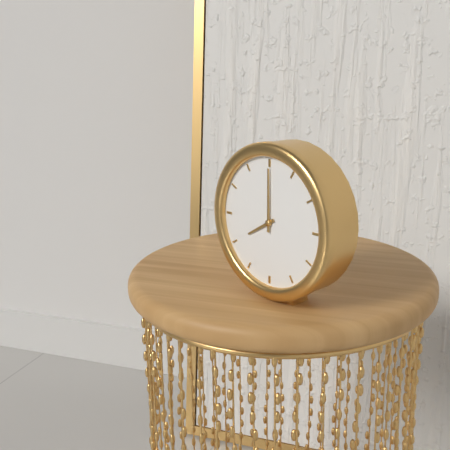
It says 8 h 00 min
